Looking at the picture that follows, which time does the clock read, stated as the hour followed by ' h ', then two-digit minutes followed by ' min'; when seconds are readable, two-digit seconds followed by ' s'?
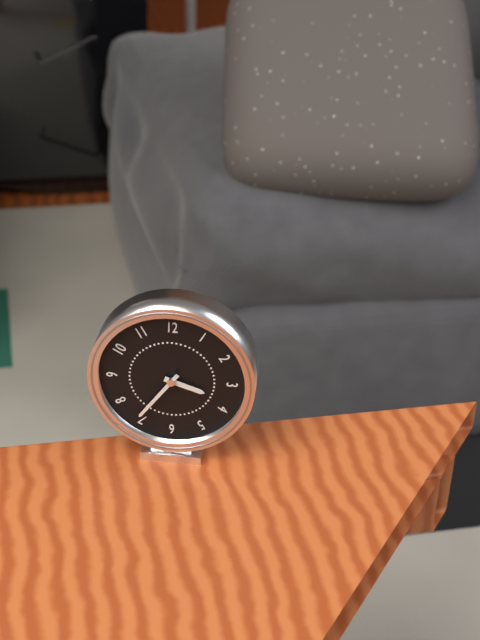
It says 3 h 36 min
